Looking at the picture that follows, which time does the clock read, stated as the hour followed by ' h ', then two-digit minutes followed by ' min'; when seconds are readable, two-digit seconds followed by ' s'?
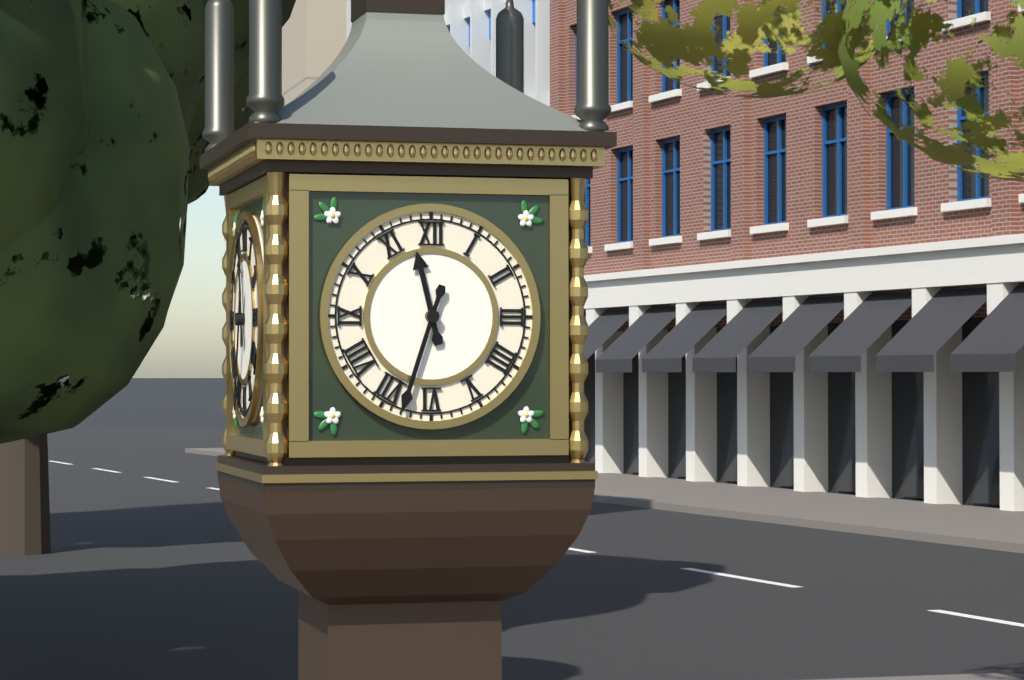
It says 11 h 33 min
